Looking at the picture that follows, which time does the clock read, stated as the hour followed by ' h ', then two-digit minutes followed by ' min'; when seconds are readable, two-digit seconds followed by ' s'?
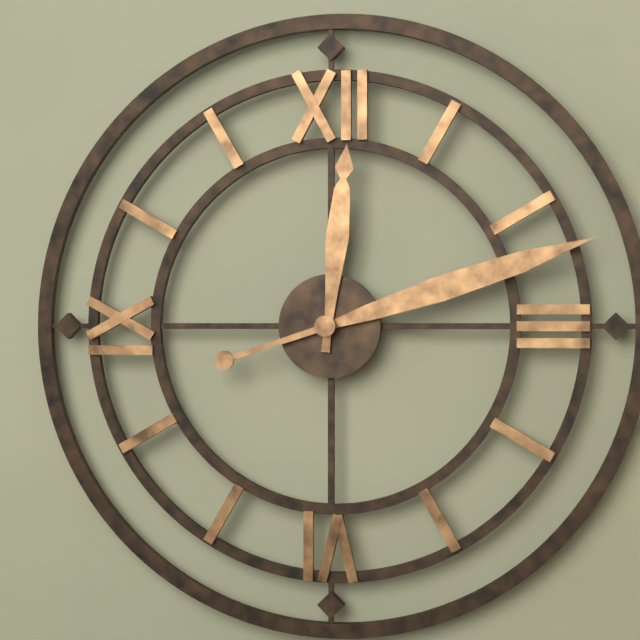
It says 12 h 12 min
